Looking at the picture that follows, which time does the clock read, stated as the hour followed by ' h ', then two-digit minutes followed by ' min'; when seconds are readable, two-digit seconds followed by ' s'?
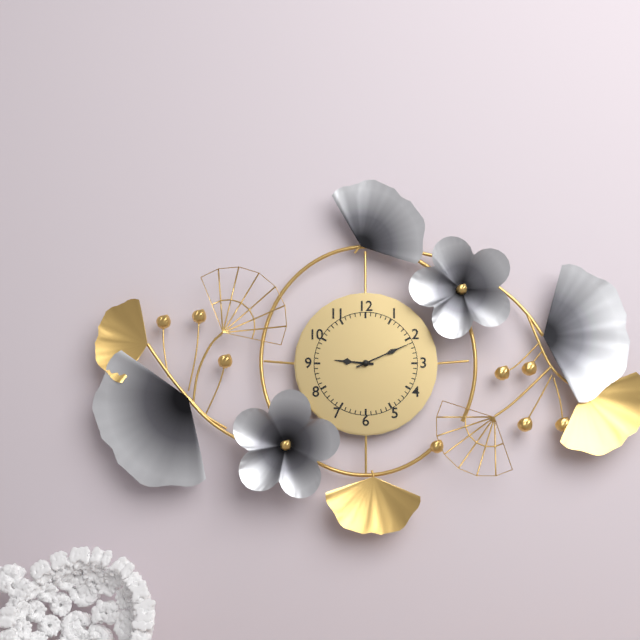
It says 9 h 11 min
